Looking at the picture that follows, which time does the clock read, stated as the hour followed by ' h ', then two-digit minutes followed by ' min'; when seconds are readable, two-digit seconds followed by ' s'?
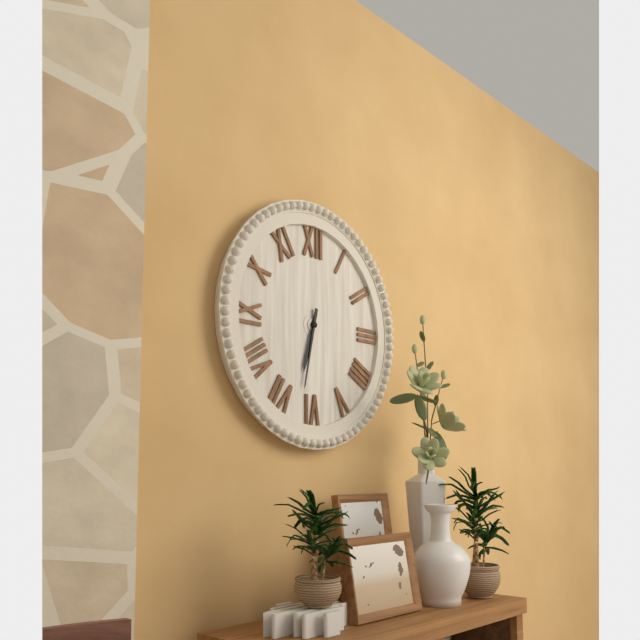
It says 6 h 32 min
